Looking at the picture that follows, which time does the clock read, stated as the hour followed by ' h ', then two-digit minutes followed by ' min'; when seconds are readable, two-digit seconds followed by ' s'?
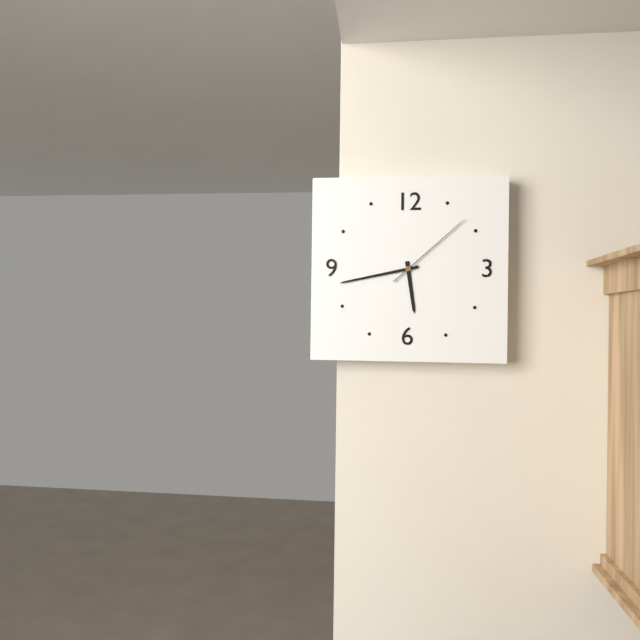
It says 5 h 43 min 08 s
